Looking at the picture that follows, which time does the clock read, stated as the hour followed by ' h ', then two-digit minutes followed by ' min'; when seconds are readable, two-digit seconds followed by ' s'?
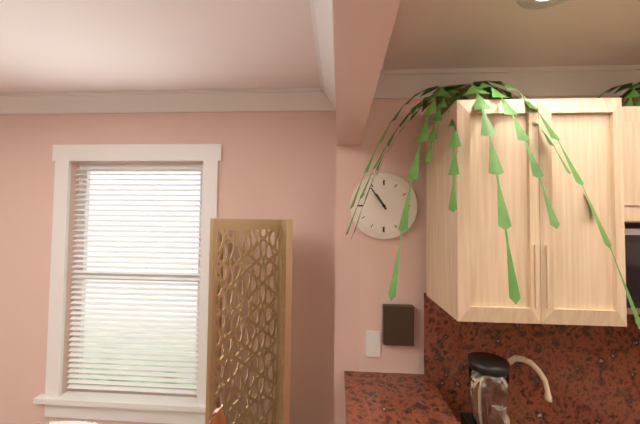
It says 10 h 54 min
